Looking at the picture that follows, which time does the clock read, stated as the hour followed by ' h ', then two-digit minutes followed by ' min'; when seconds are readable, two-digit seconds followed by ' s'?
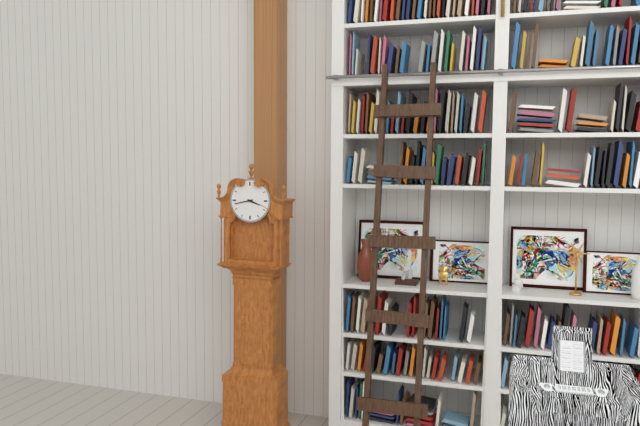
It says 3 h 43 min
